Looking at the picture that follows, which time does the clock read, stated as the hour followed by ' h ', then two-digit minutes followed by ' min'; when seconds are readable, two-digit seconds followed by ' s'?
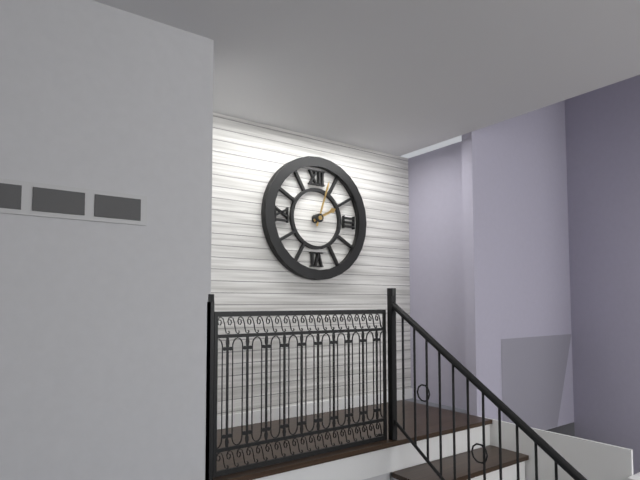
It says 2 h 03 min
